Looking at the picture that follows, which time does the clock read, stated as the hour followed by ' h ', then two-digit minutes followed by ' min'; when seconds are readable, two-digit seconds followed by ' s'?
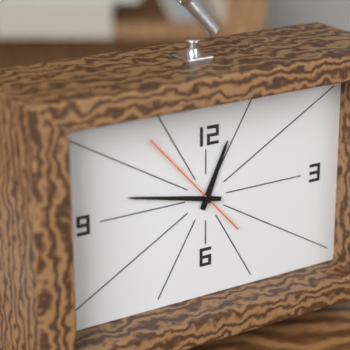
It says 12 h 47 min 53 s
